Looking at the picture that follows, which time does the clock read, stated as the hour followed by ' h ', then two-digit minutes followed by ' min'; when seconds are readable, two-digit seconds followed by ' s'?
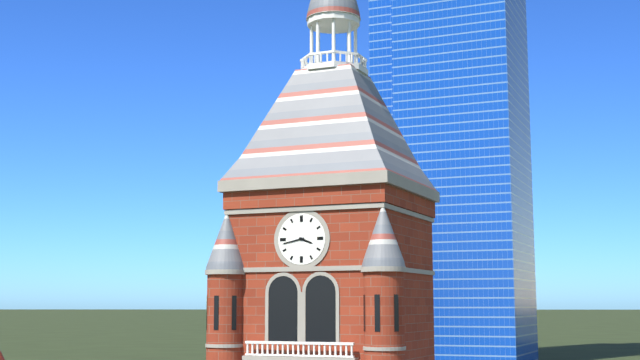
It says 3 h 43 min
